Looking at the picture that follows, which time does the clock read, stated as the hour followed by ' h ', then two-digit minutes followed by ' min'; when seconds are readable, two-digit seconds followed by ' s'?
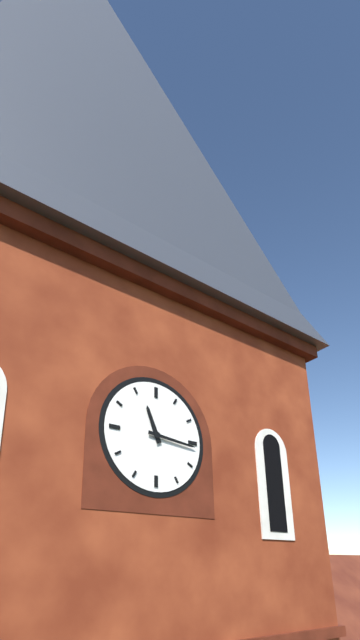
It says 11 h 16 min
